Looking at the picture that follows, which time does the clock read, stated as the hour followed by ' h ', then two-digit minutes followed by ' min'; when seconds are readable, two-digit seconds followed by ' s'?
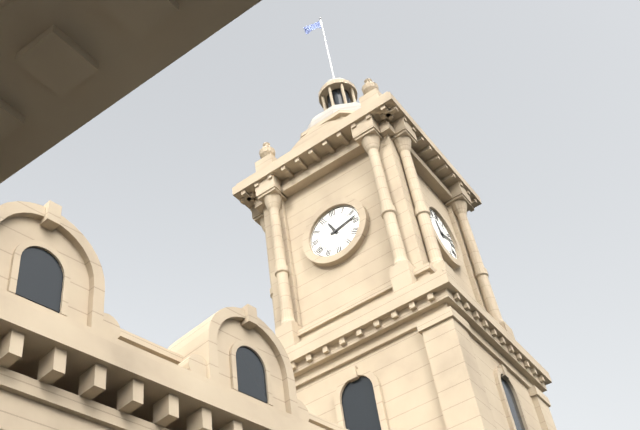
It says 11 h 13 min
